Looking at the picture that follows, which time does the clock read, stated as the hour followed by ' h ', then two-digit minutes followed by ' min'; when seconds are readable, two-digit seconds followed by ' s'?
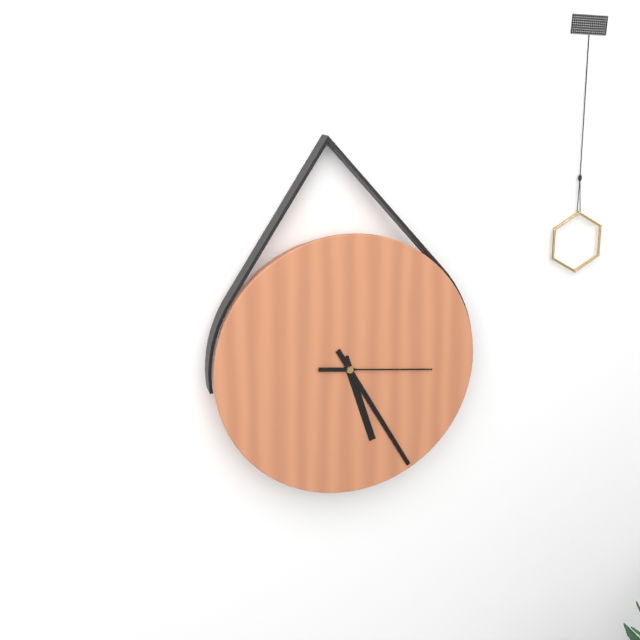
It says 5 h 25 min 16 s
